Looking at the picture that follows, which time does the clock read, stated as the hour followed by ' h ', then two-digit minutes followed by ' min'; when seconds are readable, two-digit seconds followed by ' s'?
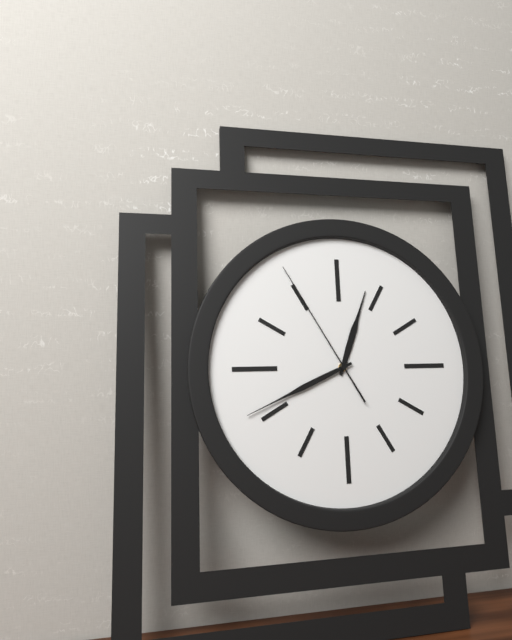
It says 12 h 41 min 55 s
